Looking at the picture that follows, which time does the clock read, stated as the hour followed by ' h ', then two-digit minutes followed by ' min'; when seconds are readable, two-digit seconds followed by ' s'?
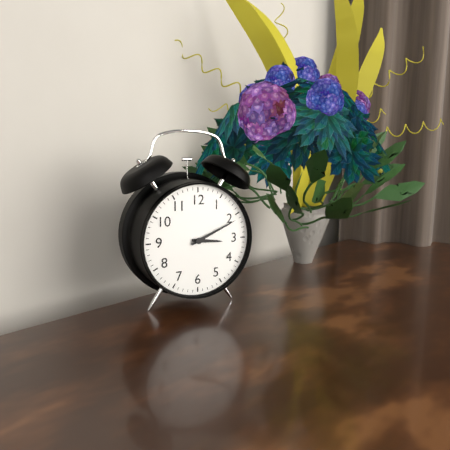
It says 3 h 11 min
